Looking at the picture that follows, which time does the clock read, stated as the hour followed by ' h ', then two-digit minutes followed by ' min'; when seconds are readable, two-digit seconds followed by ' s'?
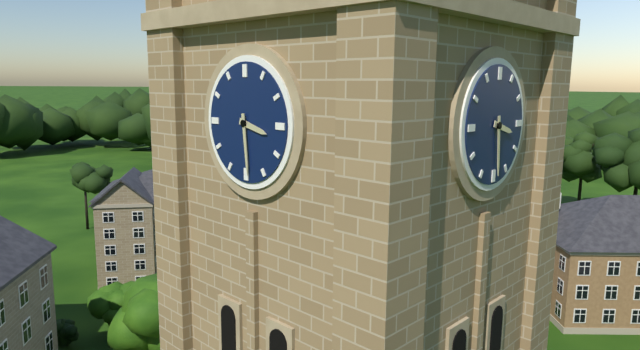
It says 3 h 29 min
